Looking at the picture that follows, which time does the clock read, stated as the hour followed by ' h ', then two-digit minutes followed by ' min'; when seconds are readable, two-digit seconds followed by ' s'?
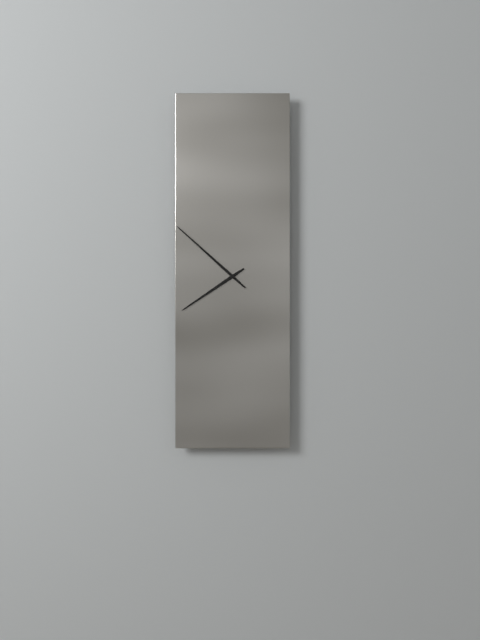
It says 7 h 52 min
